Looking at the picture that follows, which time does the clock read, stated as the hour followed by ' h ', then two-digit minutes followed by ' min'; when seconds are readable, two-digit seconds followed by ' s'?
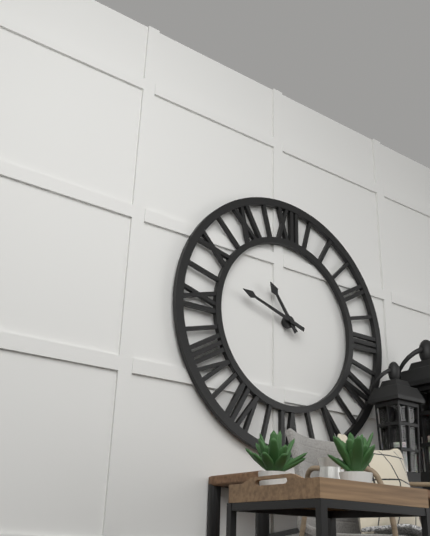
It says 10 h 48 min
